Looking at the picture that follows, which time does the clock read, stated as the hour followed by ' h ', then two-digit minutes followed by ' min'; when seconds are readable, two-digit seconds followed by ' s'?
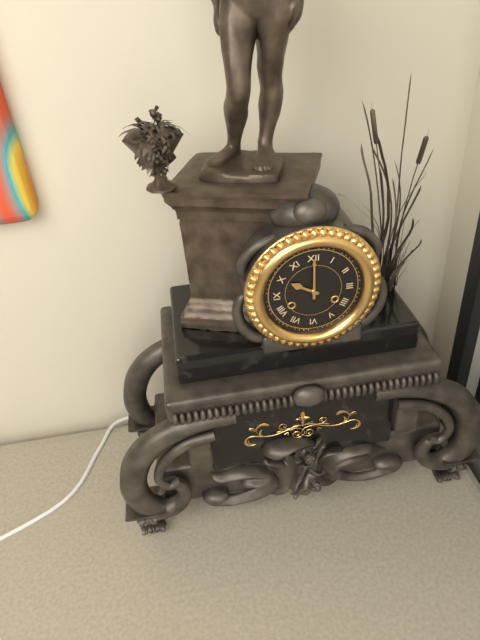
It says 10 h 00 min
